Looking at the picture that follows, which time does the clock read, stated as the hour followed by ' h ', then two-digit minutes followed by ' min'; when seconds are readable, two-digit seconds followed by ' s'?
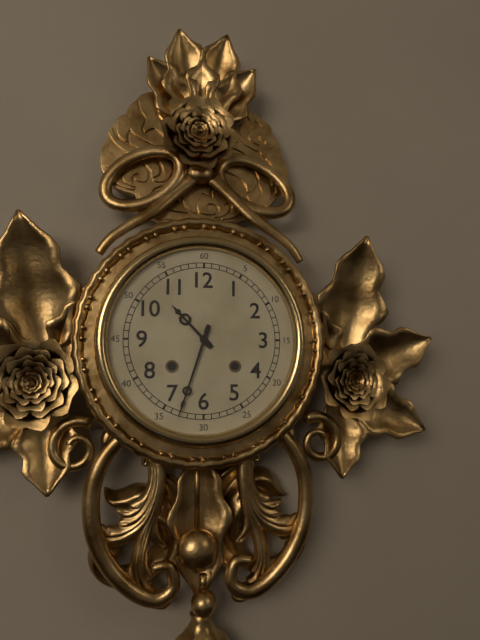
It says 10 h 33 min
